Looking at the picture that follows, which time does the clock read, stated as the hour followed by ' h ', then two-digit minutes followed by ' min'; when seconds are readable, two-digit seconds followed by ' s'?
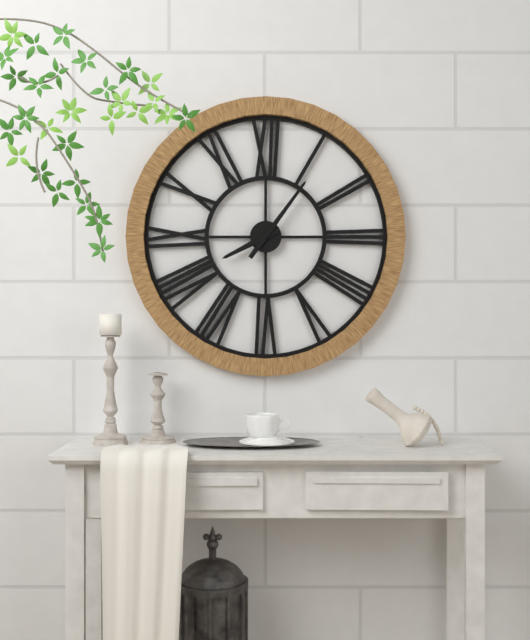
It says 8 h 06 min
